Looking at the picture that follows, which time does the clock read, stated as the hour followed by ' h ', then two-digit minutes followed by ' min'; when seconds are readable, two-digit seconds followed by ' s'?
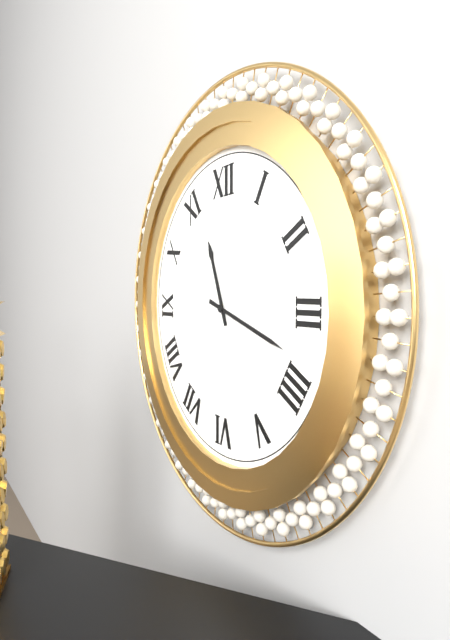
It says 11 h 18 min
